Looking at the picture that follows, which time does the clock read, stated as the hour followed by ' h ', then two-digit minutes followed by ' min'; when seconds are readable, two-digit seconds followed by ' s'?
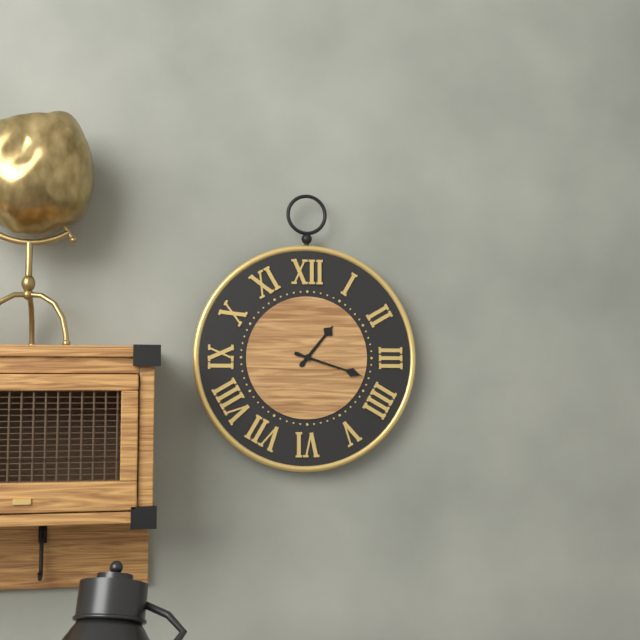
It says 1 h 18 min
